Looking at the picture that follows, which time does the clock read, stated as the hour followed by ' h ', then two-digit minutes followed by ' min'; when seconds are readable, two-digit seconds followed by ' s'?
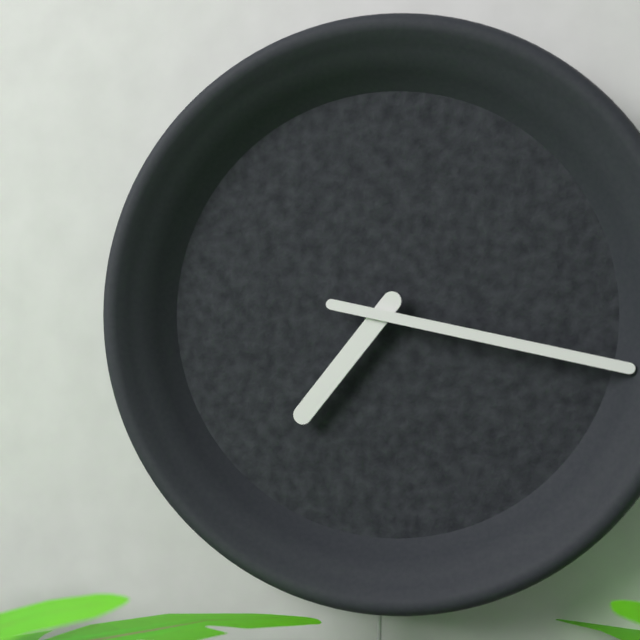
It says 7 h 17 min
